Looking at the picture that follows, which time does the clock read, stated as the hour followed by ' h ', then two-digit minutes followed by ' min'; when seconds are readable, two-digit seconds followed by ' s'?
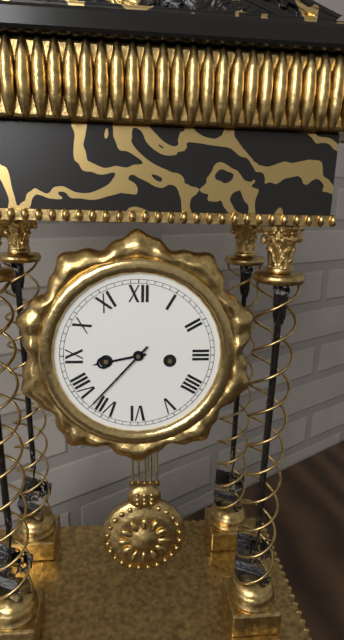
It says 8 h 37 min
